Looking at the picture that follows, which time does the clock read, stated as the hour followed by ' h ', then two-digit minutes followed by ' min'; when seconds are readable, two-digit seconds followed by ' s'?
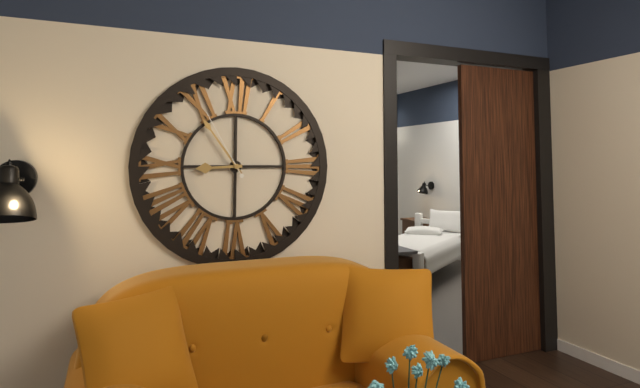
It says 8 h 54 min 55 s
